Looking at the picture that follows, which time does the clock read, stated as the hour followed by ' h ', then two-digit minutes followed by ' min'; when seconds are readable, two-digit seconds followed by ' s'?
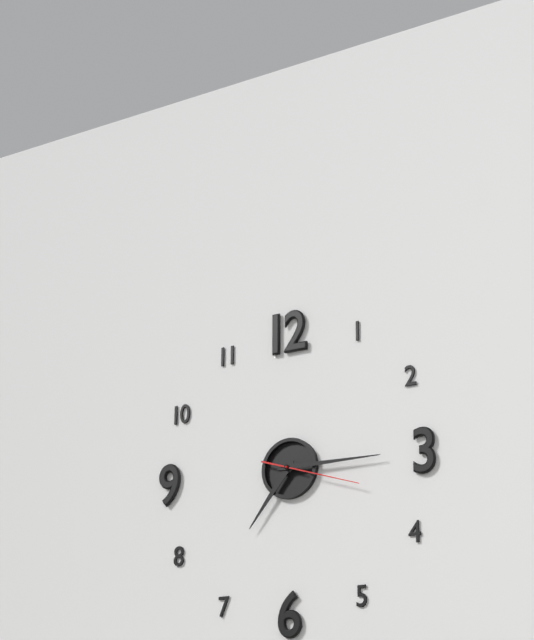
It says 7 h 15 min 18 s
